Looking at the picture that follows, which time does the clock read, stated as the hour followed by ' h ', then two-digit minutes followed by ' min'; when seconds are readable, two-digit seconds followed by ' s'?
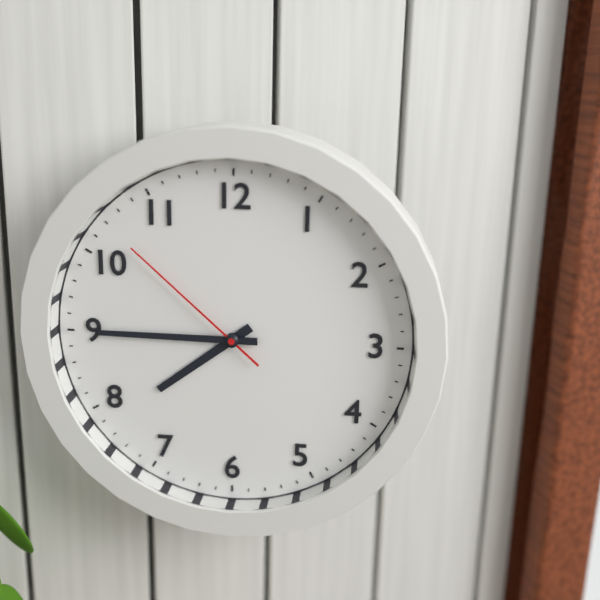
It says 7 h 45 min 52 s
